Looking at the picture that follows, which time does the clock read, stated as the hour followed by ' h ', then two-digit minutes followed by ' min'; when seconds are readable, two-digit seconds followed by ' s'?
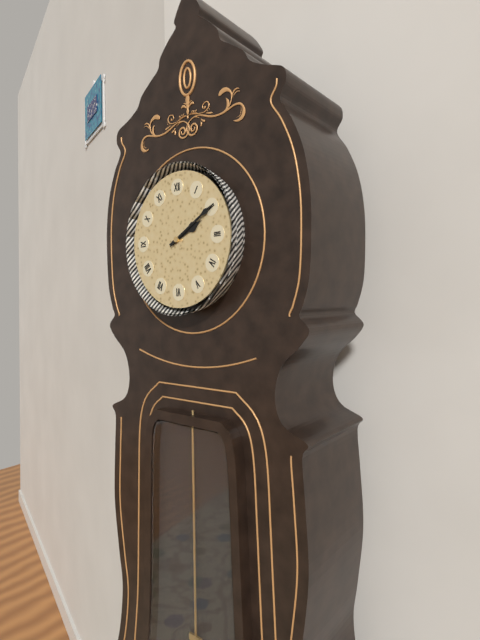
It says 2 h 10 min
